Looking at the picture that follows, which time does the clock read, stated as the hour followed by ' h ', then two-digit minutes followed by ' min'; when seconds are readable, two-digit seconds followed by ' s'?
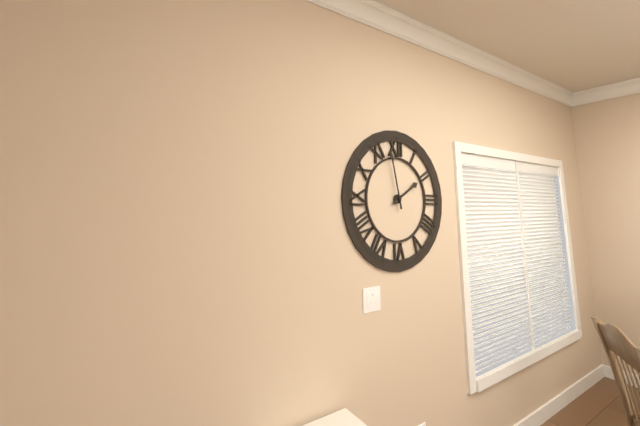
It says 1 h 58 min
